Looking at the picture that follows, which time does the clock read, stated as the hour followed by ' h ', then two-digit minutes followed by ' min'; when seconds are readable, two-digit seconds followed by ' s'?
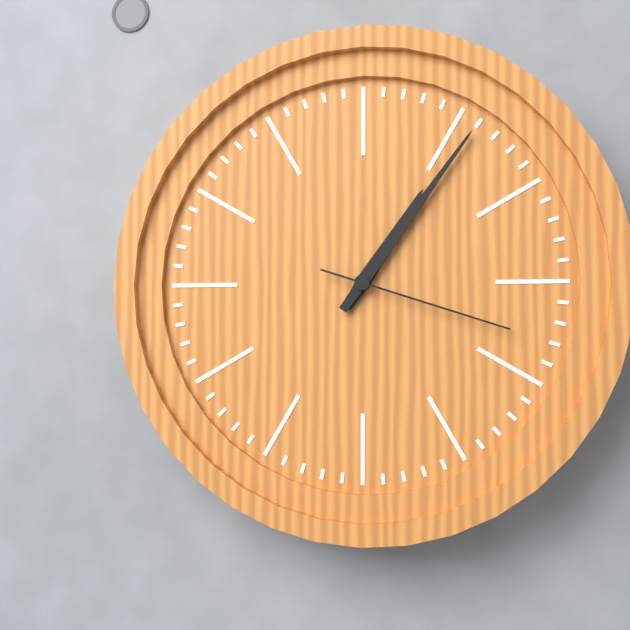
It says 1 h 06 min 18 s
